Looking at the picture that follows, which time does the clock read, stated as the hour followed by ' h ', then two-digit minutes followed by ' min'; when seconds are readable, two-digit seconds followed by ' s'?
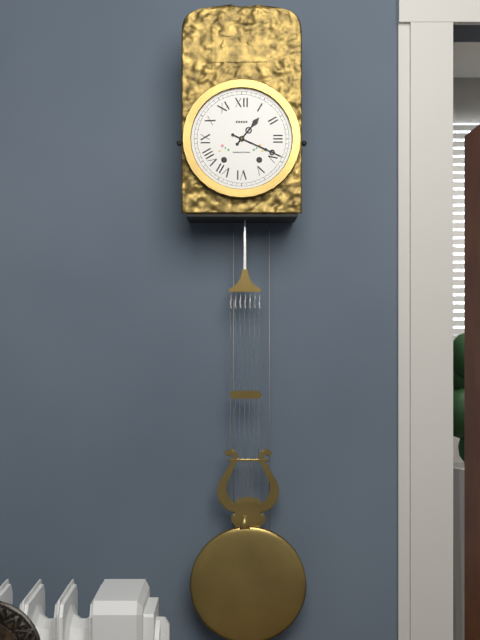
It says 1 h 19 min
